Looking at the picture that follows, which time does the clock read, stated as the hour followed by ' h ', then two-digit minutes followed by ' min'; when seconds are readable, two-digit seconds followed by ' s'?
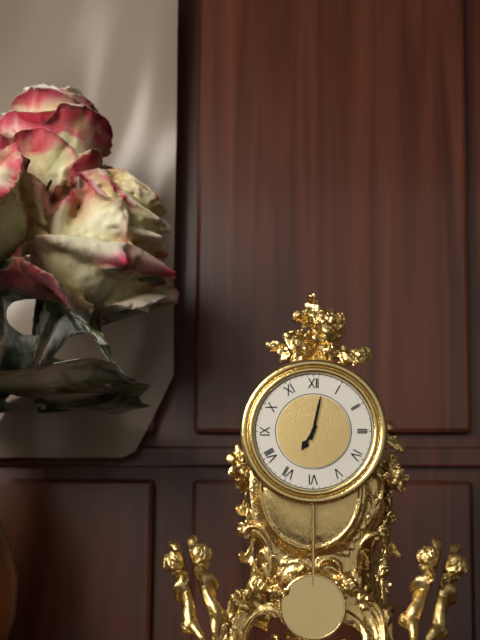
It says 7 h 02 min
